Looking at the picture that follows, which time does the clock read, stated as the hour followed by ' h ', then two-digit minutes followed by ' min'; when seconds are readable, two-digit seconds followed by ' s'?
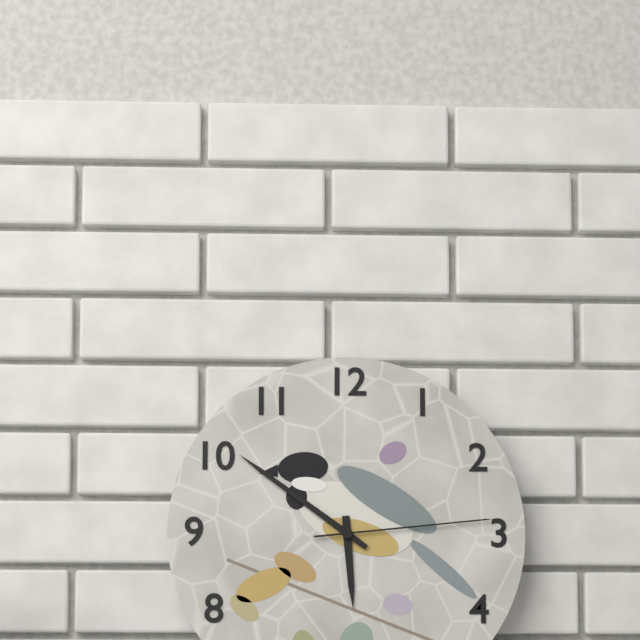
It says 5 h 51 min 14 s
